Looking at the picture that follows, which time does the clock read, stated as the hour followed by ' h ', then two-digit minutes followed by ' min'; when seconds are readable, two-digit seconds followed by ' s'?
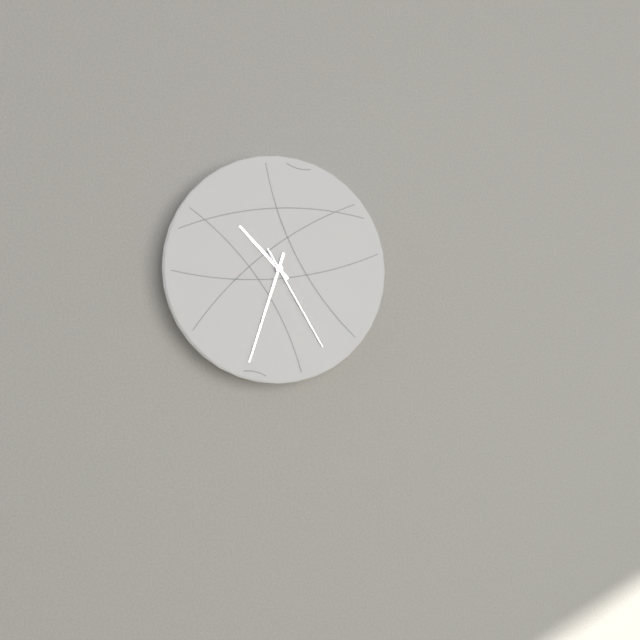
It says 10 h 33 min 25 s
